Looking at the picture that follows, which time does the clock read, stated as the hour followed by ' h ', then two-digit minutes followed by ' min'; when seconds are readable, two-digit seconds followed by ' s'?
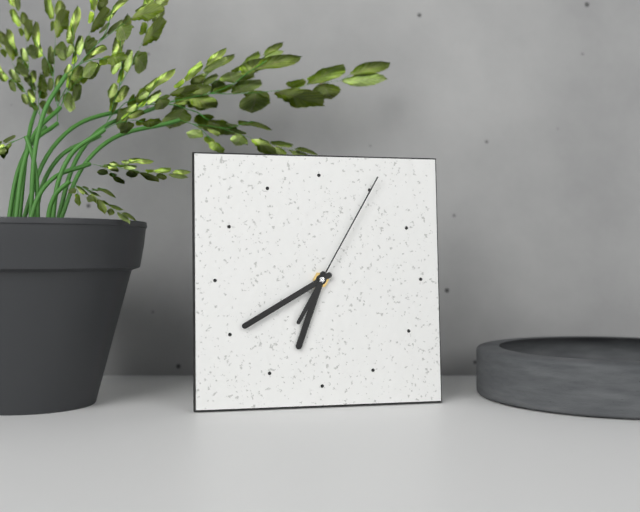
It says 6 h 40 min 05 s
